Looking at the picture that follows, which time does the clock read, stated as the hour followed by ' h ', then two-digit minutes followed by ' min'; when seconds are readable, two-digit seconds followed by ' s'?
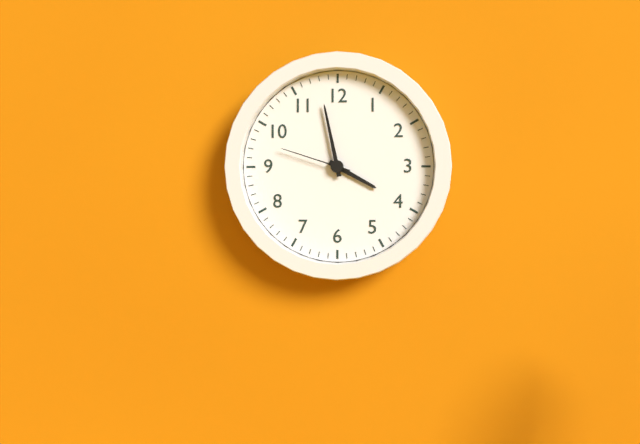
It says 3 h 58 min 48 s
